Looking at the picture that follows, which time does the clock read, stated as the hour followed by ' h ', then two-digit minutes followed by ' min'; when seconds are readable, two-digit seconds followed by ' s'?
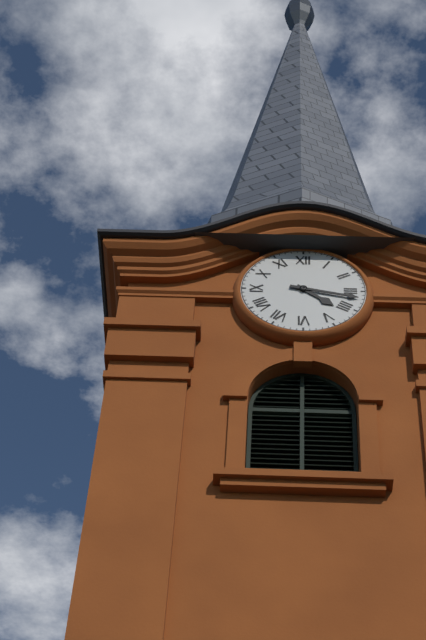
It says 4 h 17 min
